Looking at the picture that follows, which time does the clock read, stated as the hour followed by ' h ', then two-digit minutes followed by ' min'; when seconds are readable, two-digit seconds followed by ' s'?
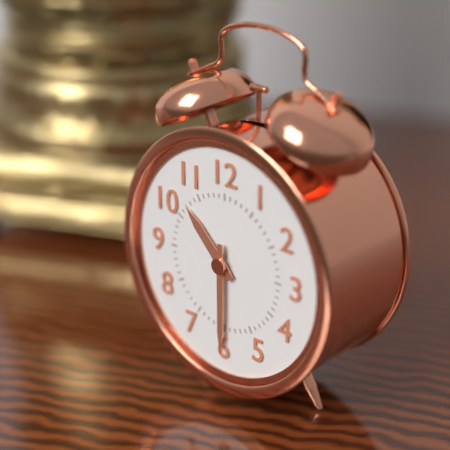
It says 10 h 30 min
